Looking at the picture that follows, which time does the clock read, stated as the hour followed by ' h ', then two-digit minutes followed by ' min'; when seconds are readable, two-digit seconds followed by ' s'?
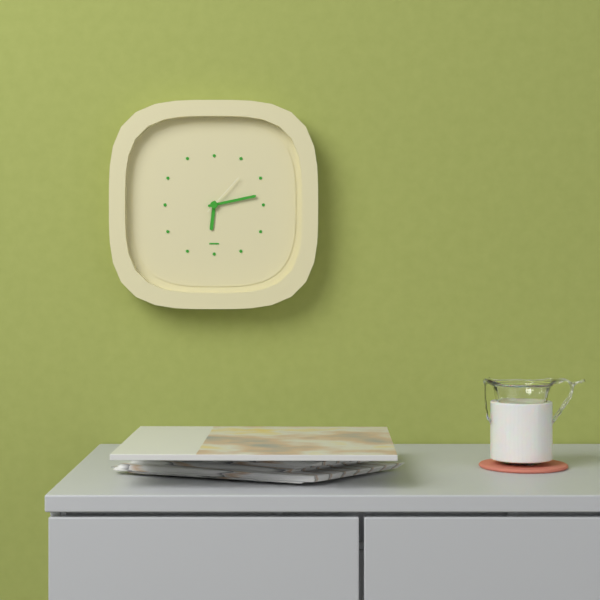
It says 6 h 13 min
